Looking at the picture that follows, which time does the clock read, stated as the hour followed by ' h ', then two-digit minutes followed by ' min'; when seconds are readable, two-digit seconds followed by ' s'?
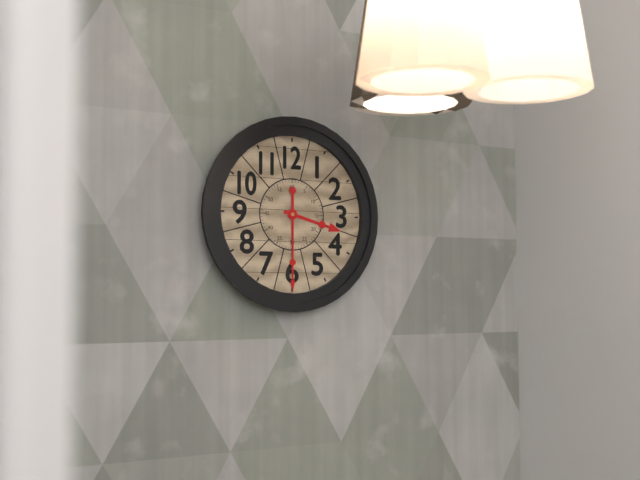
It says 3 h 30 min
